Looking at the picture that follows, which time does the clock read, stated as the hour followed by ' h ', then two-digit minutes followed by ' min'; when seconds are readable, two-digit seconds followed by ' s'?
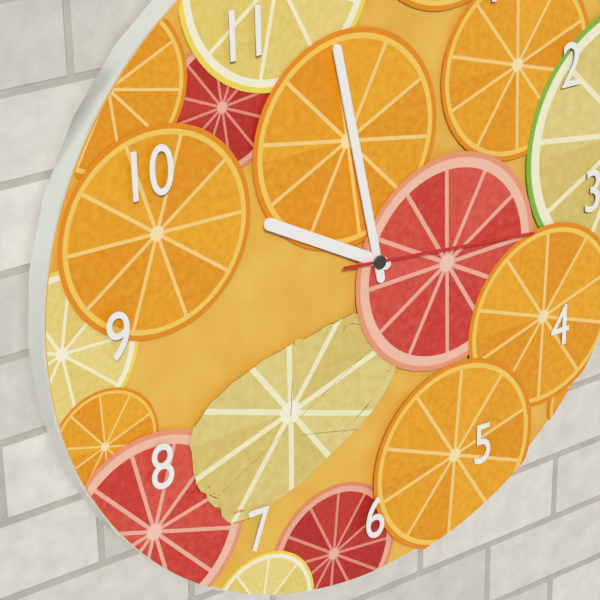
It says 9 h 58 min 16 s
